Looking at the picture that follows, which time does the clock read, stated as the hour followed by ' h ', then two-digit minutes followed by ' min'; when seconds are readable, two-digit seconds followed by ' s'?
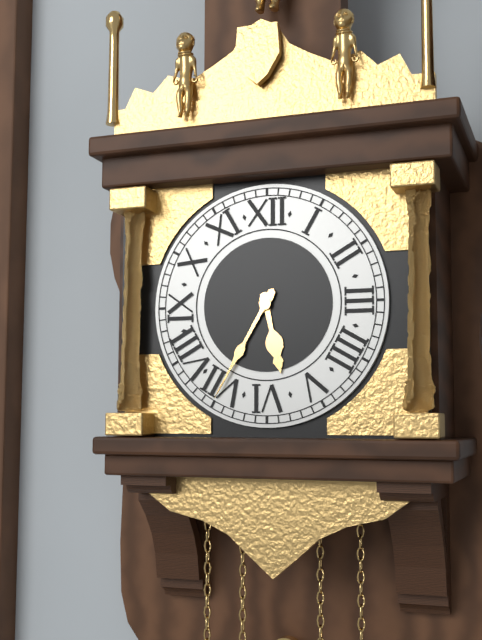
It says 5 h 35 min
